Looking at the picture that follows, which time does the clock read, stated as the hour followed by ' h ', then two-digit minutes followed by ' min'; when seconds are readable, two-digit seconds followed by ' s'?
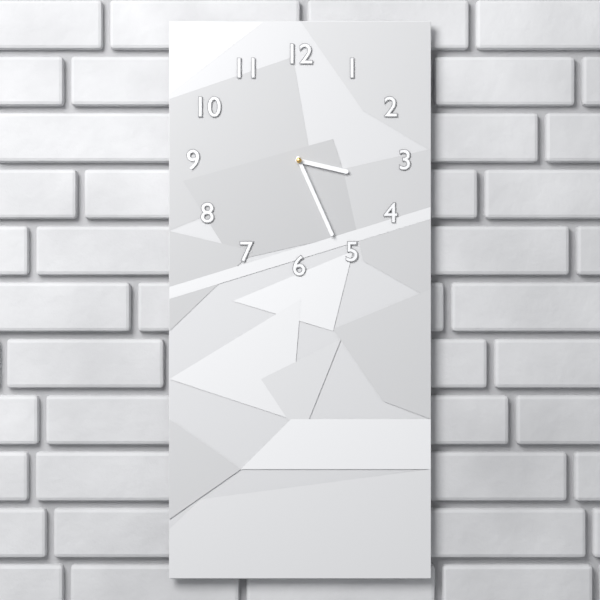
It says 3 h 26 min
